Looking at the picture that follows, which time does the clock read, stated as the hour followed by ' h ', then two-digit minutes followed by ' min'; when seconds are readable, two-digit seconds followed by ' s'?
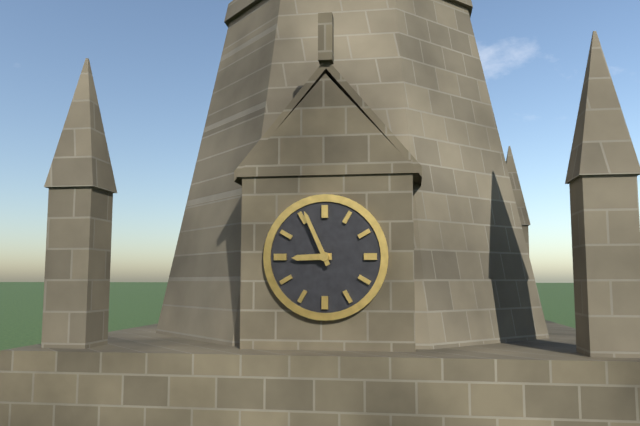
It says 8 h 56 min
